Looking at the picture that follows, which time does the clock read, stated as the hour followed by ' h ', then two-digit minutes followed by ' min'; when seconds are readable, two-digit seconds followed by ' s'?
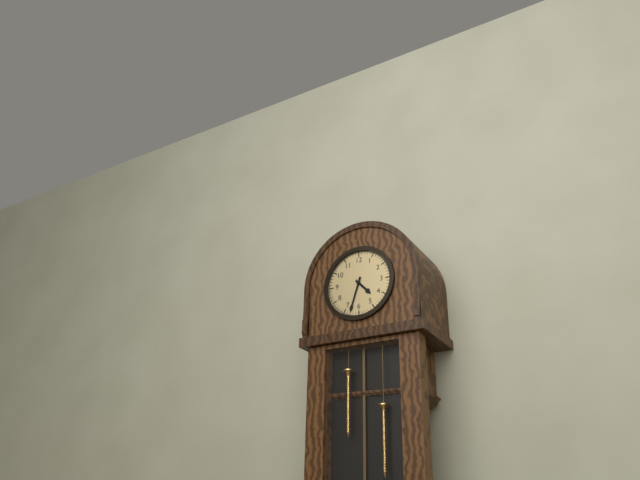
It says 4 h 33 min
